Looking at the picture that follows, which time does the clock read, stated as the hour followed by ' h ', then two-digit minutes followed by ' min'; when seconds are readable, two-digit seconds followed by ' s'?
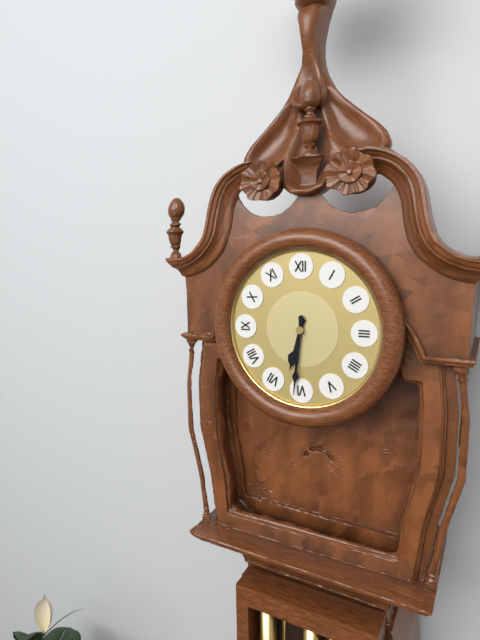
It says 6 h 31 min
